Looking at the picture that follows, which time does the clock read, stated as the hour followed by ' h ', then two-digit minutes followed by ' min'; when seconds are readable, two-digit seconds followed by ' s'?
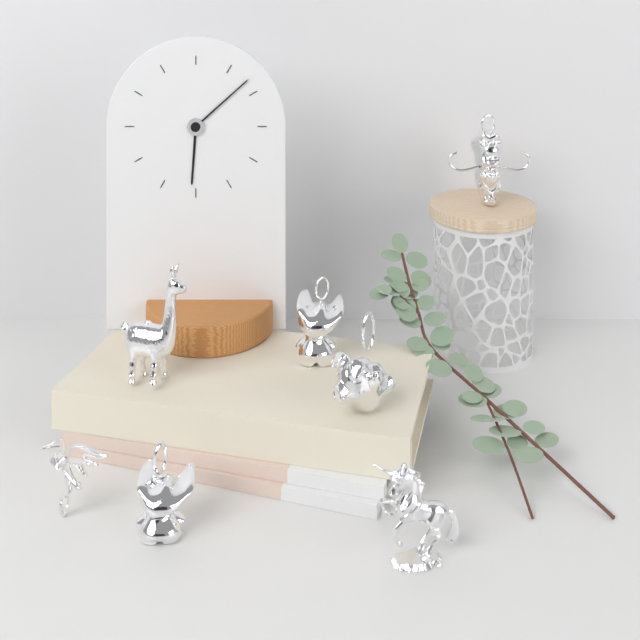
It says 6 h 08 min
